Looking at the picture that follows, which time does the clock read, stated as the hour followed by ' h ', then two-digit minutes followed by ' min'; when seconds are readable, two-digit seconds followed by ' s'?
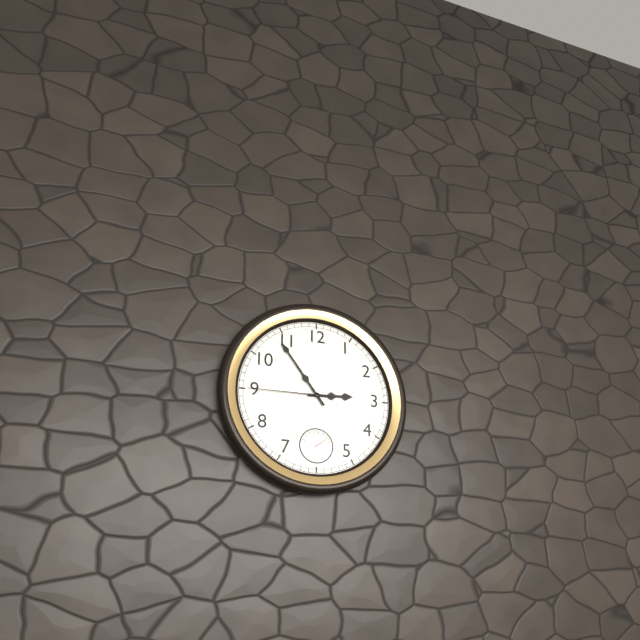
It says 2 h 54 min 45 s
